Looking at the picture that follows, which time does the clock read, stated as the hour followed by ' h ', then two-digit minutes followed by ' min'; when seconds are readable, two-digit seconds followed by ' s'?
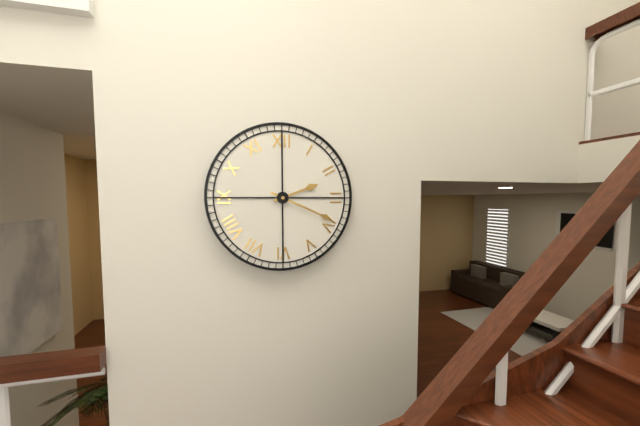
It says 2 h 19 min
